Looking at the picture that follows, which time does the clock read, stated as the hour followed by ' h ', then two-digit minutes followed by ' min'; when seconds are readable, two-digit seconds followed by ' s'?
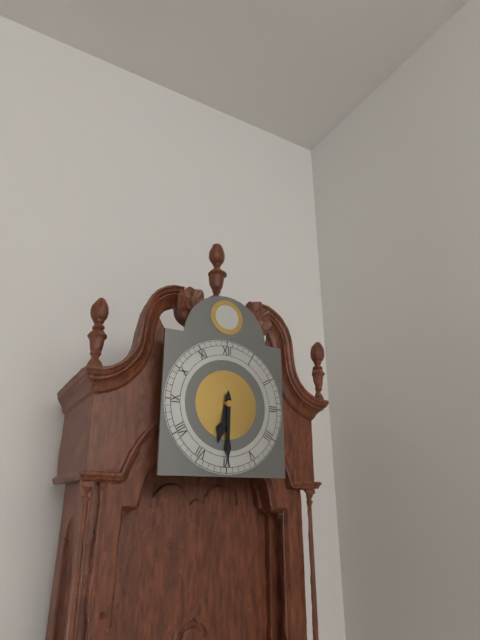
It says 6 h 30 min
